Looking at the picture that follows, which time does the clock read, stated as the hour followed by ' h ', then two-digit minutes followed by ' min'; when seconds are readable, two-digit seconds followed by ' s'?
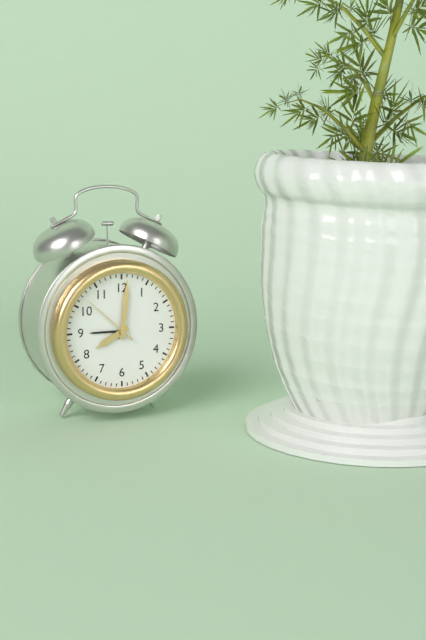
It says 8 h 01 min 52 s
